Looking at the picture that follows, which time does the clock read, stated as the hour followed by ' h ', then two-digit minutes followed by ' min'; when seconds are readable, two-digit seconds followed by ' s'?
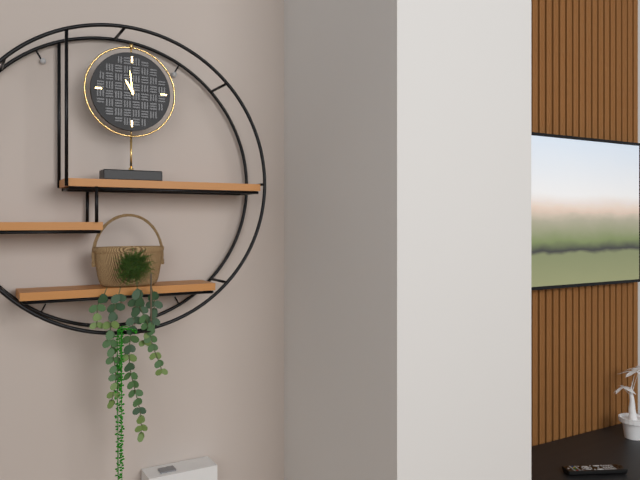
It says 10 h 59 min
